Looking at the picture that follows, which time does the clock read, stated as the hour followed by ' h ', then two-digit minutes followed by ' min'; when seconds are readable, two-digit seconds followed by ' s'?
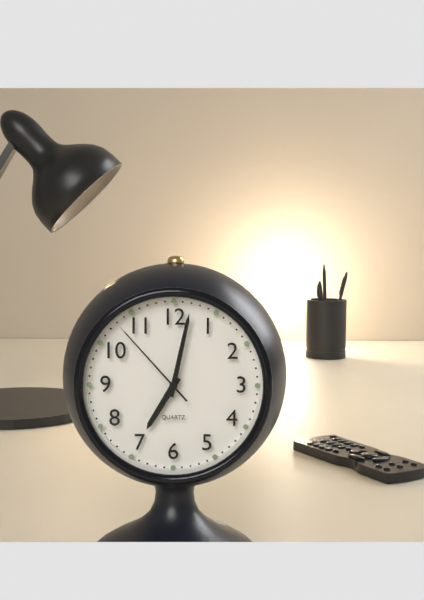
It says 7 h 02 min 53 s
